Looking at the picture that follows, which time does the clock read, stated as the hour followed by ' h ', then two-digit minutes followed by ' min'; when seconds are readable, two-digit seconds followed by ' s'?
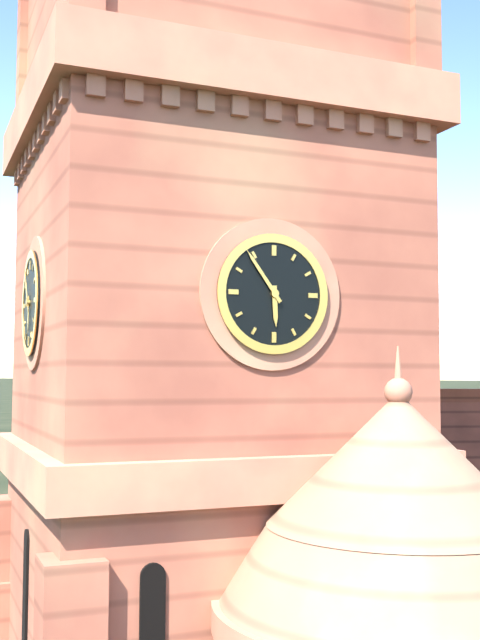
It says 5 h 54 min
